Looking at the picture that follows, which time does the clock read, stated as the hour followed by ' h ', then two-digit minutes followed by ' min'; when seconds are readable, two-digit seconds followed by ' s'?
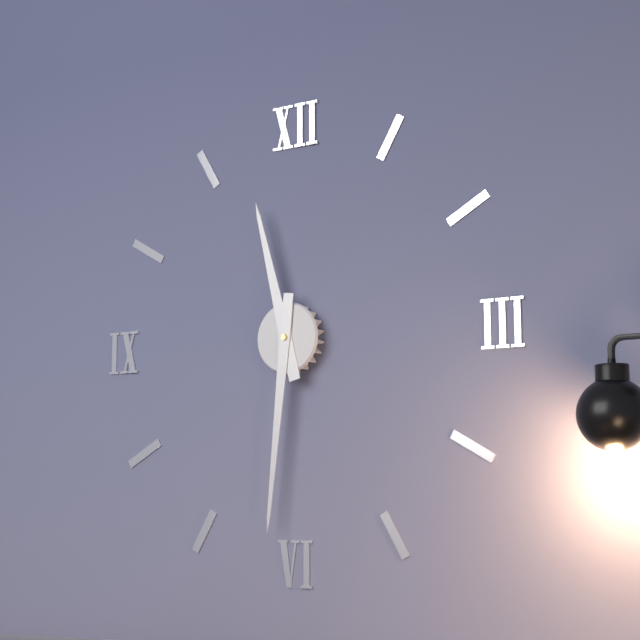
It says 11 h 31 min
